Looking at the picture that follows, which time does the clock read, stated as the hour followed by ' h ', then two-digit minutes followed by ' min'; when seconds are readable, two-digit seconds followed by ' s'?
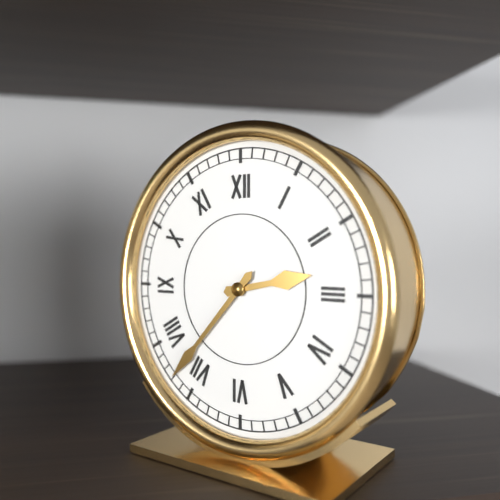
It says 2 h 37 min
